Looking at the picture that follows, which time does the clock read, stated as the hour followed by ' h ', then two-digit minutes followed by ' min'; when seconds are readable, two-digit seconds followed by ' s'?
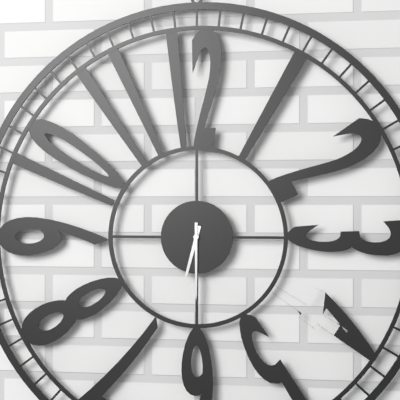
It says 6 h 30 min
